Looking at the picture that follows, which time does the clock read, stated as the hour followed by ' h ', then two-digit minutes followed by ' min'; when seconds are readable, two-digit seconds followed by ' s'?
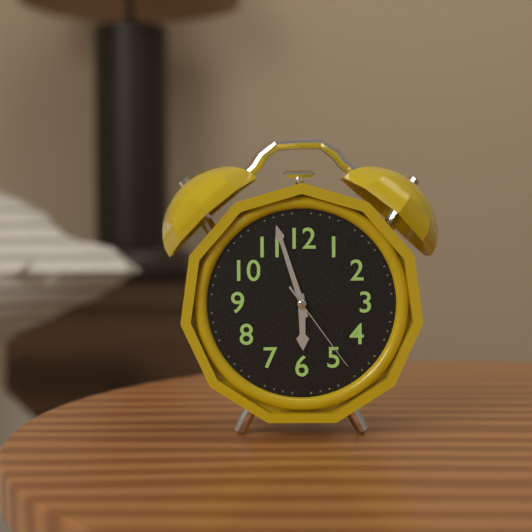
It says 5 h 57 min 24 s
